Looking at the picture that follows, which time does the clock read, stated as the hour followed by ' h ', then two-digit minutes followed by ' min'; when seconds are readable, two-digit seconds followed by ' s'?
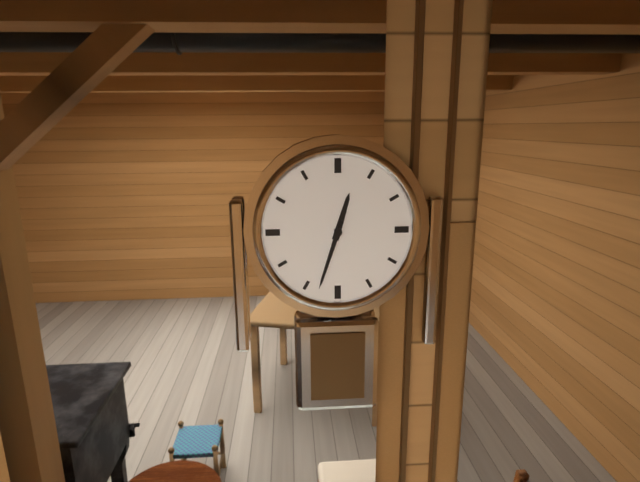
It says 12 h 33 min
